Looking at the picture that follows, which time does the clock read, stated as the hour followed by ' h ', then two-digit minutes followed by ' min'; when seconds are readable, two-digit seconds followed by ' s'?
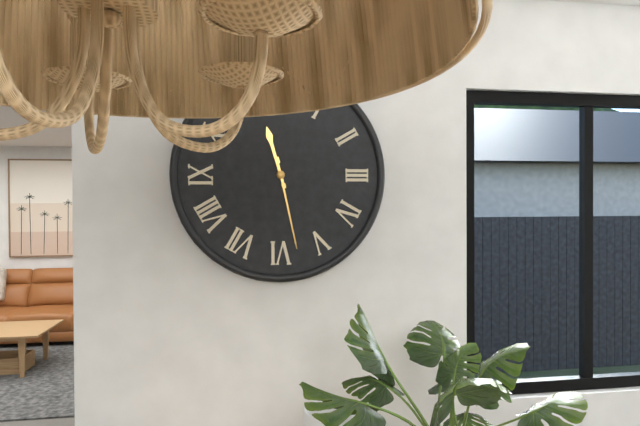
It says 11 h 28 min
